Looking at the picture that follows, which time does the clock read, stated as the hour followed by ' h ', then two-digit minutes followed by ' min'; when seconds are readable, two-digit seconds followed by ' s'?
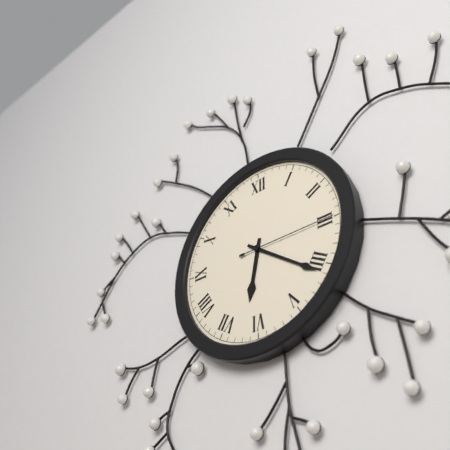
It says 6 h 21 min 15 s
